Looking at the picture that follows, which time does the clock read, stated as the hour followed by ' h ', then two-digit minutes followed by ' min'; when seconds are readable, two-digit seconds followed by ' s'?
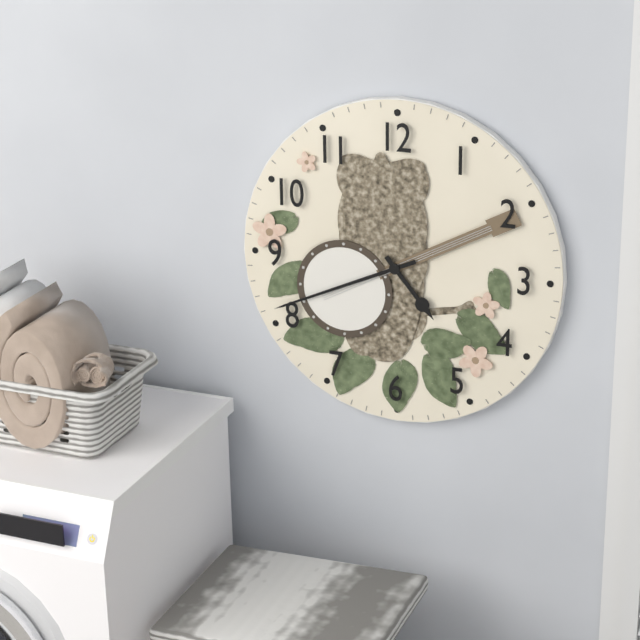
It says 4 h 41 min
